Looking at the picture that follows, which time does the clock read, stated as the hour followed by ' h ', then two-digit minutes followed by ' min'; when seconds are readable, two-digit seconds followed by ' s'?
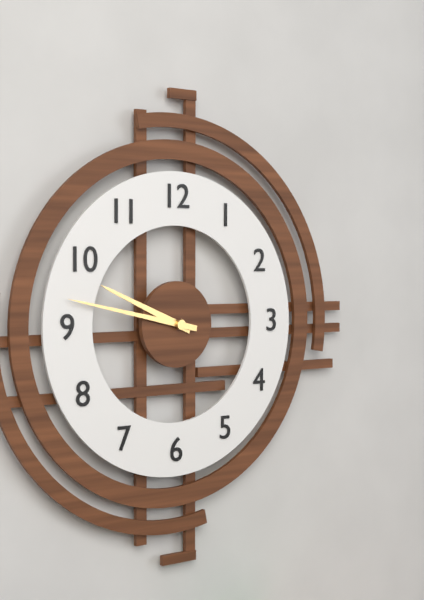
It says 9 h 47 min
